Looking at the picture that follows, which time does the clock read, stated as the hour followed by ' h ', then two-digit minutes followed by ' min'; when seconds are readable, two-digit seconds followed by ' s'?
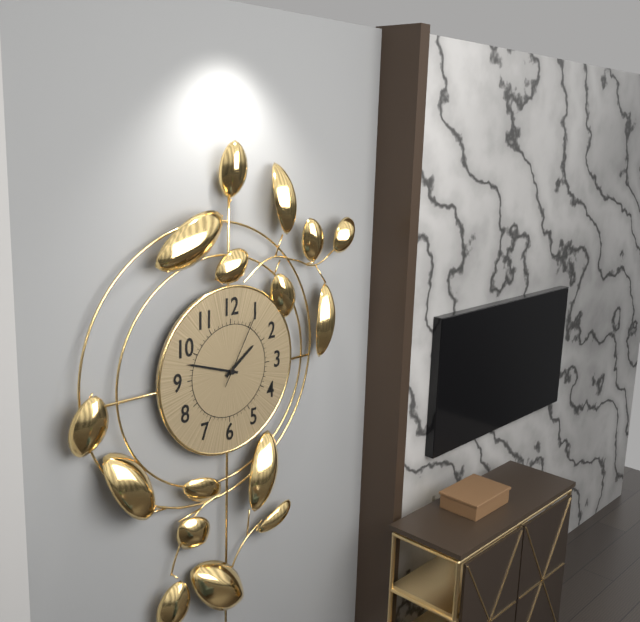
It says 1 h 48 min 05 s
